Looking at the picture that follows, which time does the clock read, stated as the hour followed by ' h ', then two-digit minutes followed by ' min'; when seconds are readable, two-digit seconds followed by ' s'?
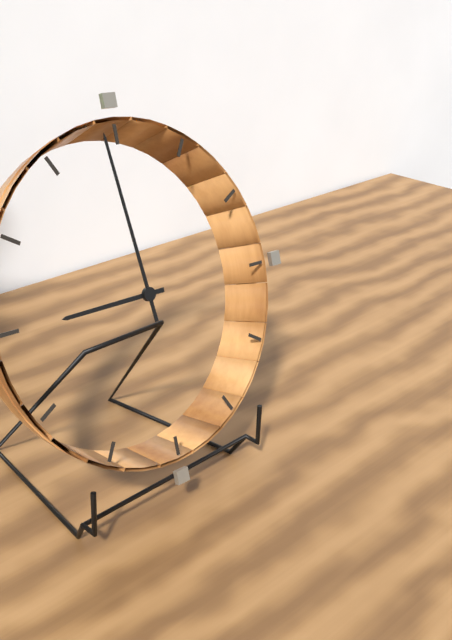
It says 8 h 59 min
